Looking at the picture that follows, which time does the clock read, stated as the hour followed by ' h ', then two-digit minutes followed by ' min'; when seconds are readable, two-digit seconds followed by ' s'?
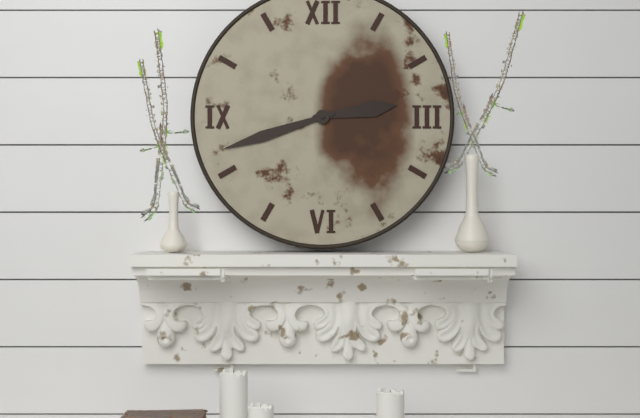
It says 2 h 42 min
